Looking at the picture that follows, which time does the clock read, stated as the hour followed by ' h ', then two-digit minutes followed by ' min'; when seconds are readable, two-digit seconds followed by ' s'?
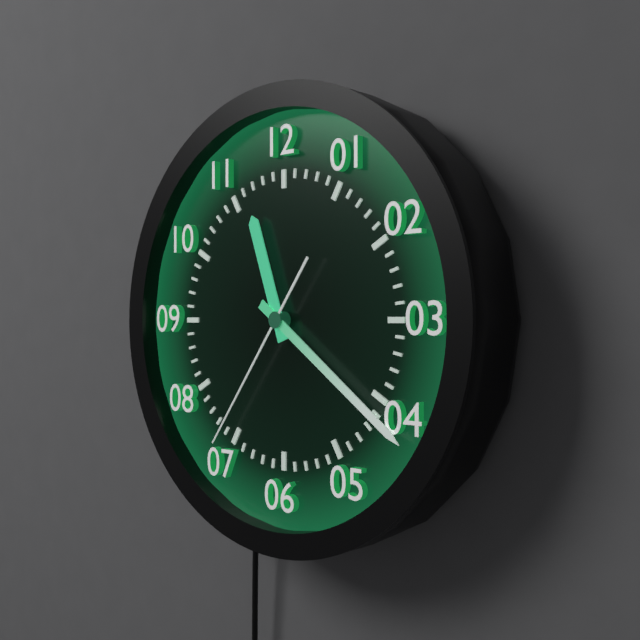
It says 11 h 21 min 36 s
